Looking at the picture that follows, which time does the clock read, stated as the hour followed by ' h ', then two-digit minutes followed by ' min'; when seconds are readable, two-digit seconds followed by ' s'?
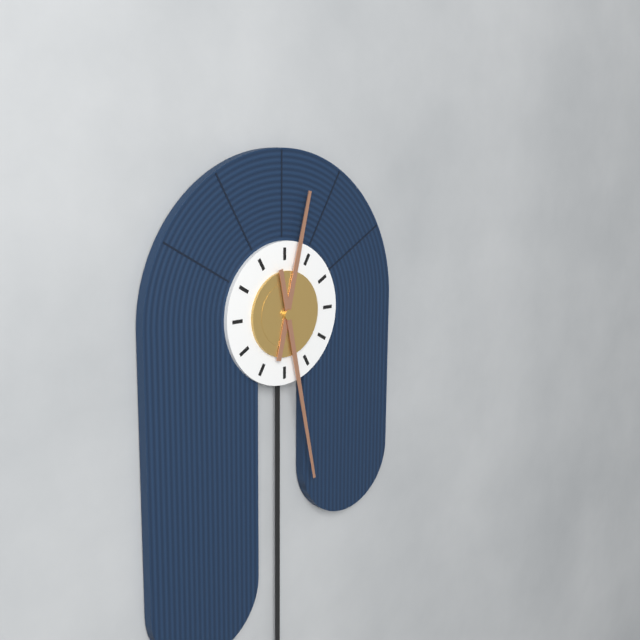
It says 12 h 28 min
